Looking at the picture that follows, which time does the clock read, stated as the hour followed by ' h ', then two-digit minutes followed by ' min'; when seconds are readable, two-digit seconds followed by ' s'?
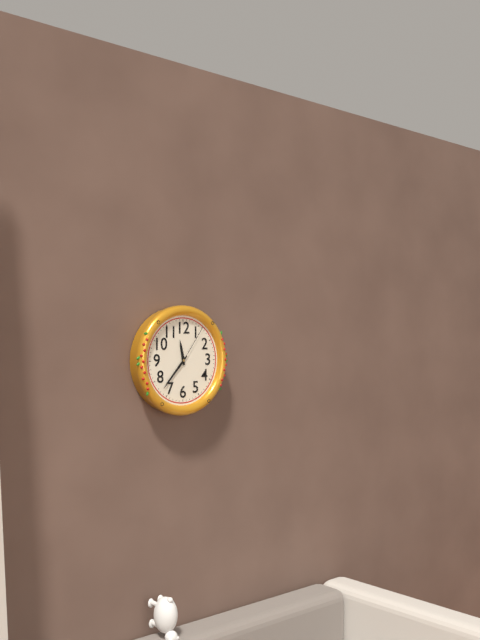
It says 11 h 37 min
